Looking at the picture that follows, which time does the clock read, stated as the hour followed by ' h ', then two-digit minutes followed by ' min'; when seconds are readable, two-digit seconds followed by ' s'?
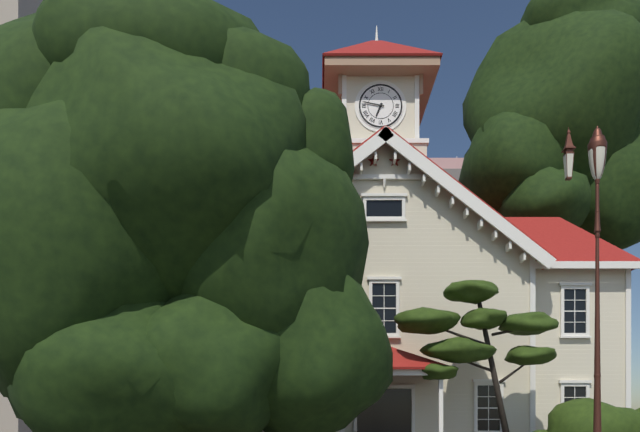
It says 6 h 47 min
